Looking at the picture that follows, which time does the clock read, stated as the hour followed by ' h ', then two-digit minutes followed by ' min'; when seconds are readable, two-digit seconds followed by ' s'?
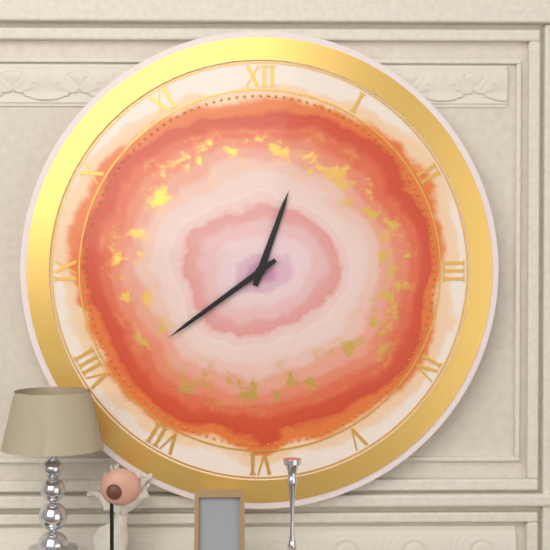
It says 12 h 39 min
